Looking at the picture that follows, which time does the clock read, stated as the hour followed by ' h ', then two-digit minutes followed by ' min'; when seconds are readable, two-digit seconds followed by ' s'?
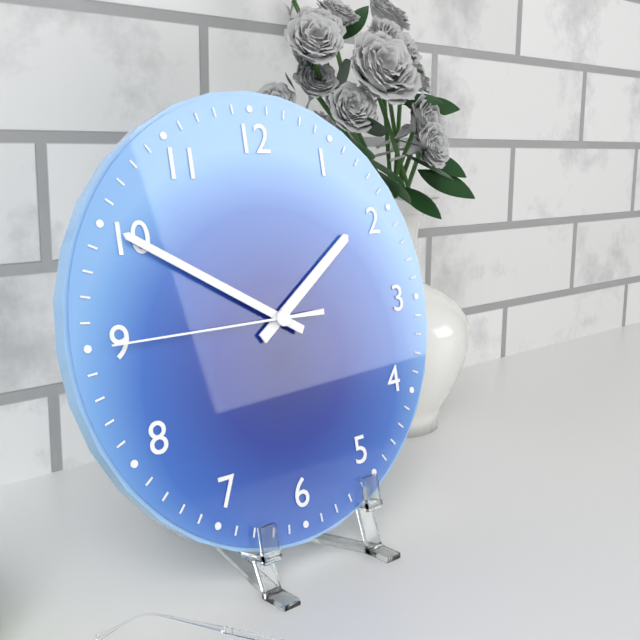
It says 1 h 50 min 45 s
